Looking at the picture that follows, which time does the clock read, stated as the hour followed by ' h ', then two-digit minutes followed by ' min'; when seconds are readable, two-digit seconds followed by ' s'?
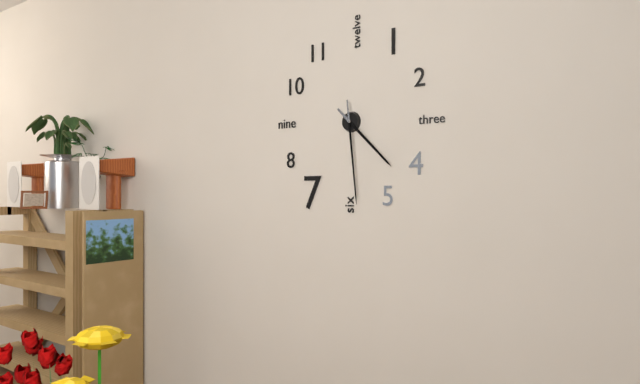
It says 4 h 29 min
